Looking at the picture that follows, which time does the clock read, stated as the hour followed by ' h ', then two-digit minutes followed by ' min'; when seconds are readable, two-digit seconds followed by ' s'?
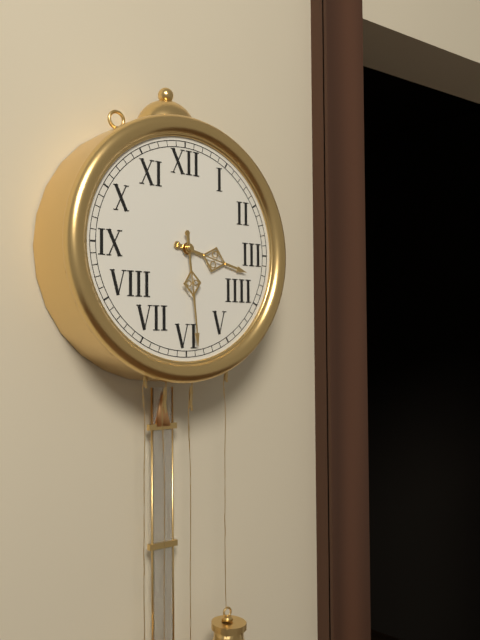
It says 3 h 29 min
